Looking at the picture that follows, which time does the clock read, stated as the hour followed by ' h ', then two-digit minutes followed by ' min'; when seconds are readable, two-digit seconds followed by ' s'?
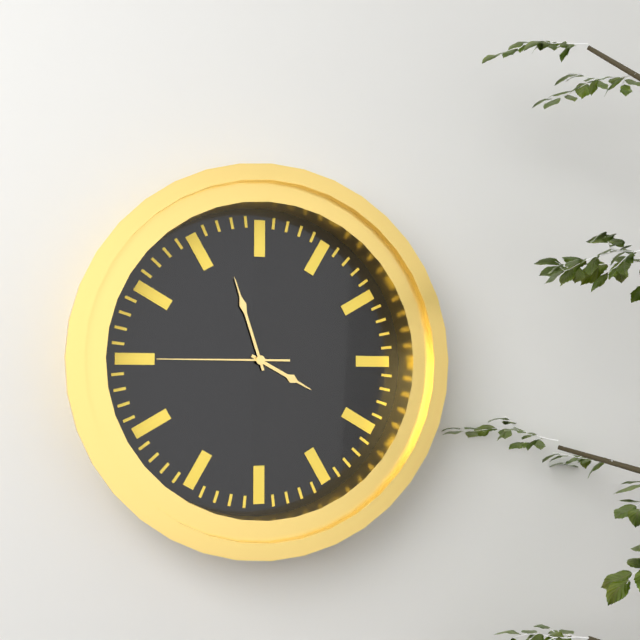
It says 3 h 57 min 45 s
